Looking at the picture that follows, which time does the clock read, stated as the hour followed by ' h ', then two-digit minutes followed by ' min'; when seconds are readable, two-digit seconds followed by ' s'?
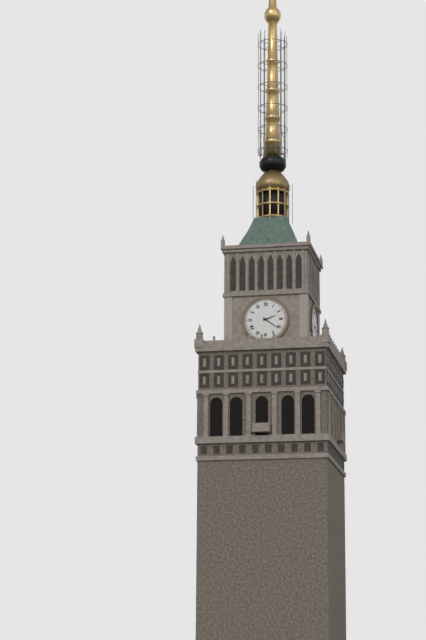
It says 2 h 21 min
